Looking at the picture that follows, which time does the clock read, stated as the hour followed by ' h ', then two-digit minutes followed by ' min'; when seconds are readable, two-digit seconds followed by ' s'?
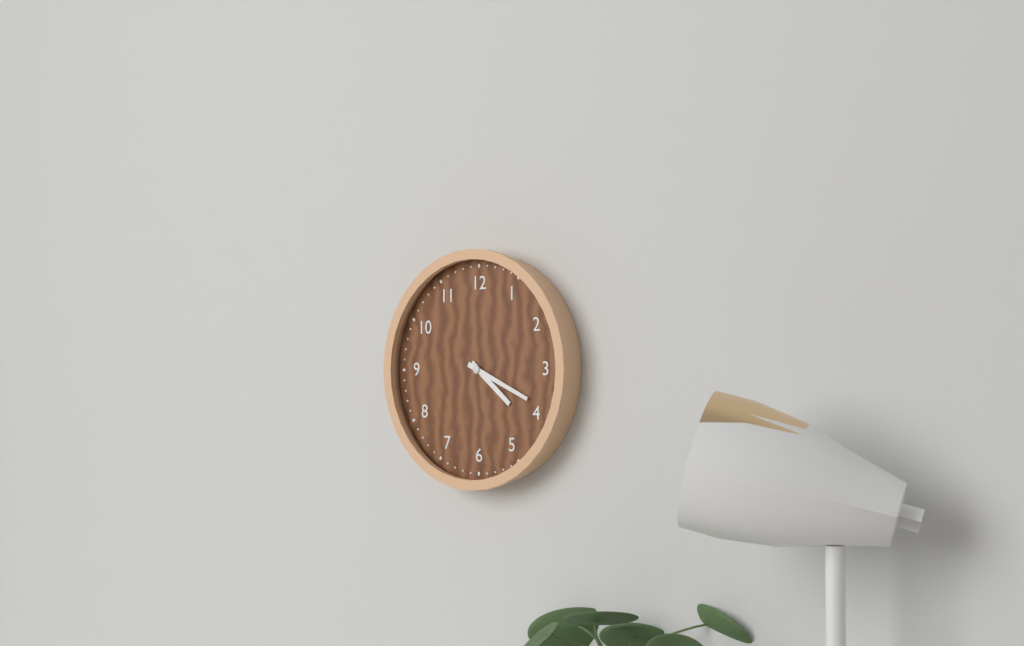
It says 4 h 19 min
